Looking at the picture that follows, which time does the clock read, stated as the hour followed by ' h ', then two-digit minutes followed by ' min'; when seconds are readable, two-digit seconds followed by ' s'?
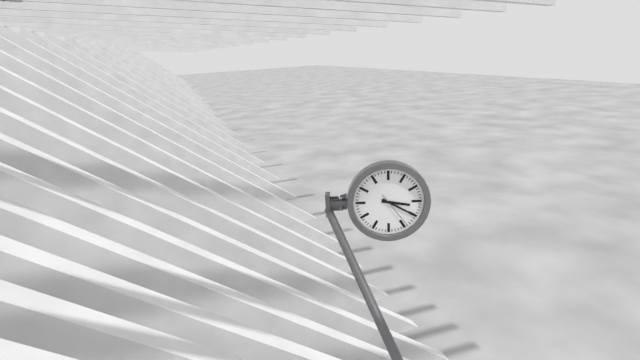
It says 3 h 20 min
